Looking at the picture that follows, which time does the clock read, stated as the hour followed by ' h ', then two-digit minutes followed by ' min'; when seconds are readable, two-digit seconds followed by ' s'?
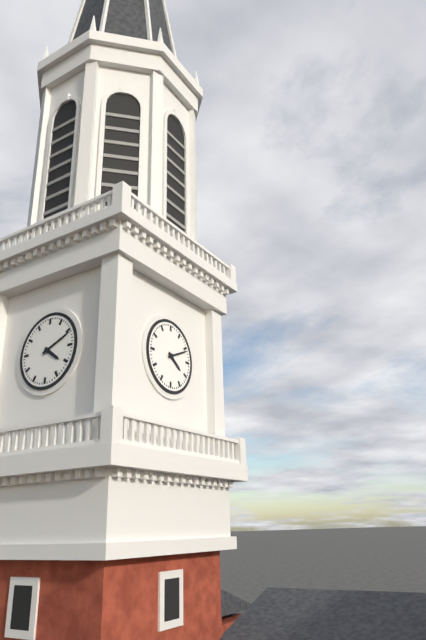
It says 4 h 11 min
